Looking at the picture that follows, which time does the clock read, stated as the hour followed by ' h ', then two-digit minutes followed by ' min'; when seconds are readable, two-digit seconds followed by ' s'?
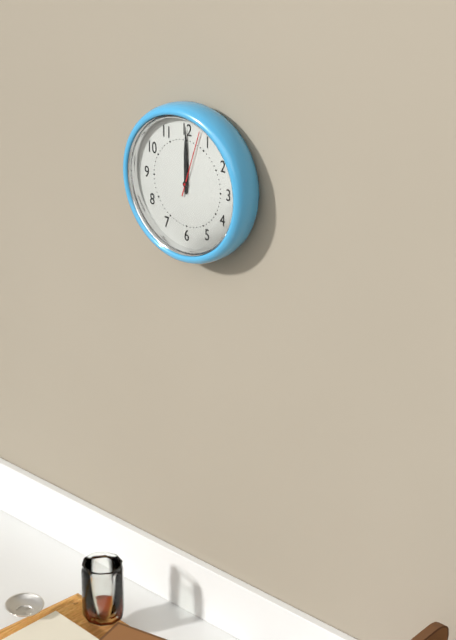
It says 12 h 00 min 03 s
